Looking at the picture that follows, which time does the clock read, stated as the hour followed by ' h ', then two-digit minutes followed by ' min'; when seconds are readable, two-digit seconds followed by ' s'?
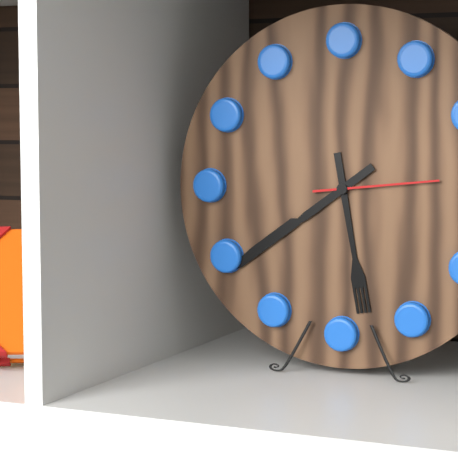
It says 5 h 39 min 14 s
